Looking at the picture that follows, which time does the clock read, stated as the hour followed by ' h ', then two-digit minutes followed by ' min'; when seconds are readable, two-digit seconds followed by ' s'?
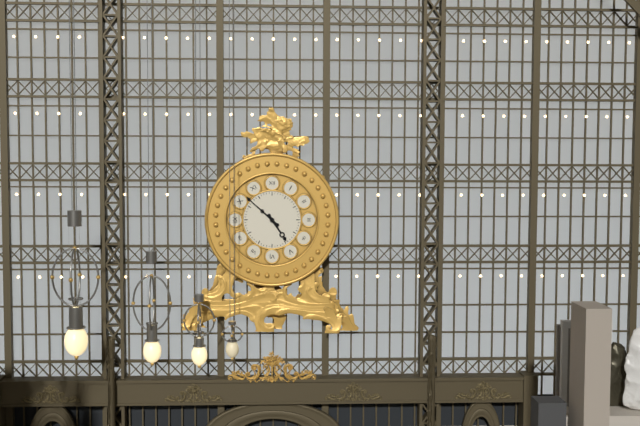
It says 4 h 52 min
